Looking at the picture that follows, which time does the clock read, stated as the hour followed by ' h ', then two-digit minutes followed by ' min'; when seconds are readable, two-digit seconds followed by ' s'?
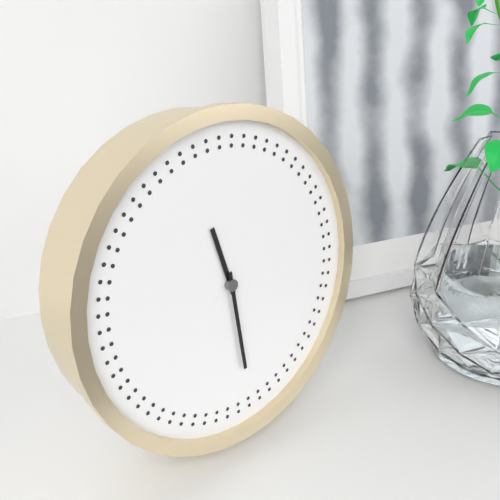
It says 11 h 29 min
